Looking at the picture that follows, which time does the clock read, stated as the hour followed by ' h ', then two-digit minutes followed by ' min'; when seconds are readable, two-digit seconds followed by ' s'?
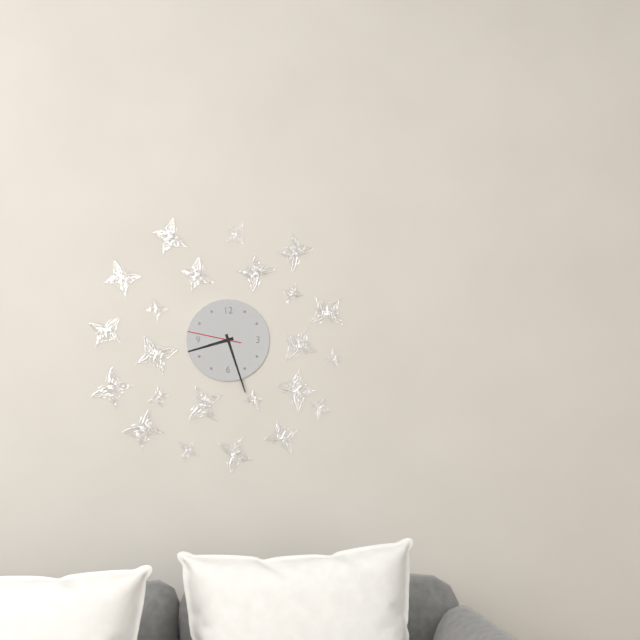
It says 8 h 27 min 47 s
